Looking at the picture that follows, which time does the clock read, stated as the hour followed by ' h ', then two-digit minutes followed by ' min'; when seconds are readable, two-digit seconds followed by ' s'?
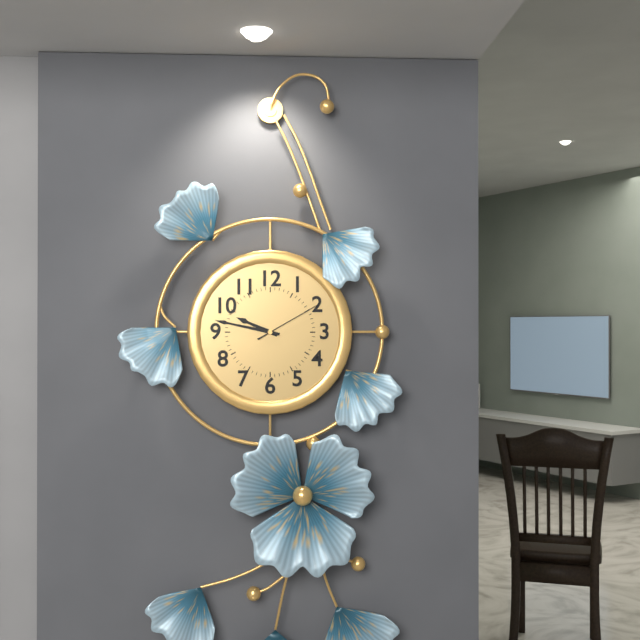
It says 9 h 47 min 10 s
